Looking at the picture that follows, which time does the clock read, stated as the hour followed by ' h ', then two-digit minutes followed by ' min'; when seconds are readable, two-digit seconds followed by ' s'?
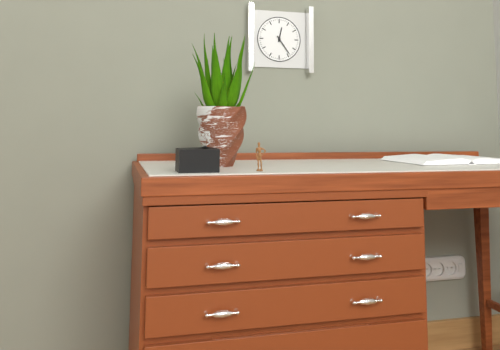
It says 12 h 24 min
